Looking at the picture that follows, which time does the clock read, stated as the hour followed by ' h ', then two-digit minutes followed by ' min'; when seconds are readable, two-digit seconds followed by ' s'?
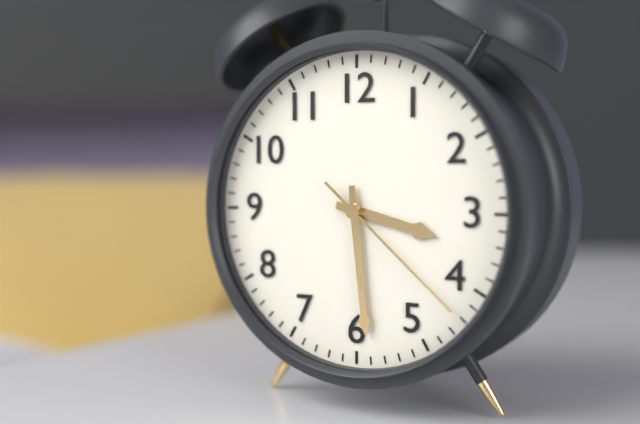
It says 3 h 29 min 22 s
